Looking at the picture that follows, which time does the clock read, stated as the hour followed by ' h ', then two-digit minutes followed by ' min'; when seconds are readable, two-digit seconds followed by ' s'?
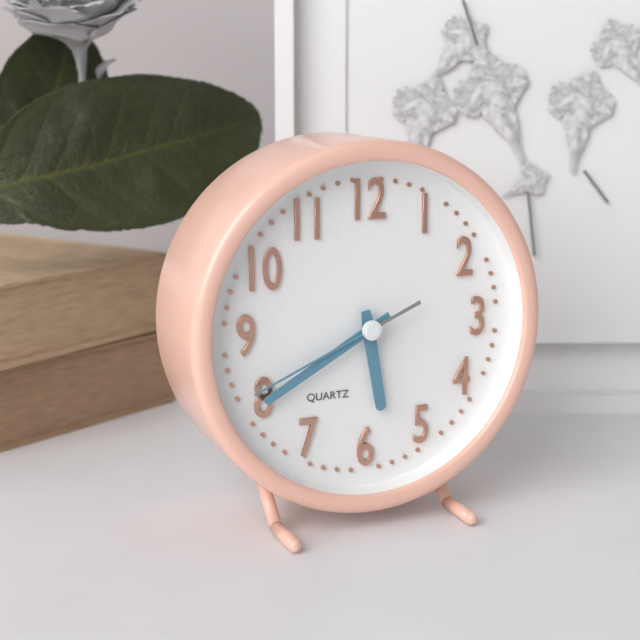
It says 5 h 40 min 41 s
